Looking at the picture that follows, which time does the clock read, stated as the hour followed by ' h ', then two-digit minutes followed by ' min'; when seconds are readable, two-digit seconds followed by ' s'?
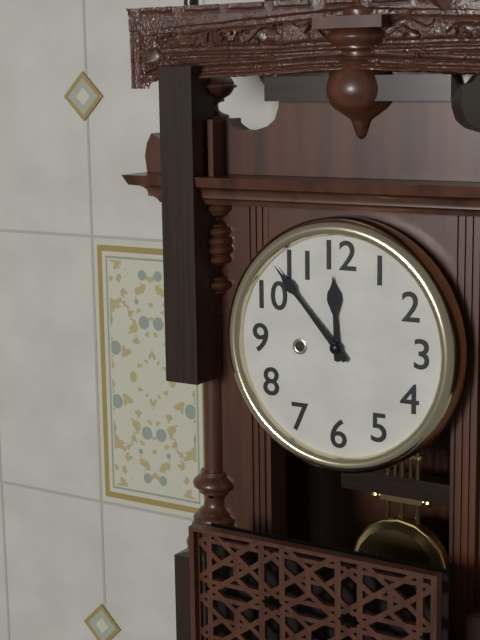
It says 11 h 53 min
